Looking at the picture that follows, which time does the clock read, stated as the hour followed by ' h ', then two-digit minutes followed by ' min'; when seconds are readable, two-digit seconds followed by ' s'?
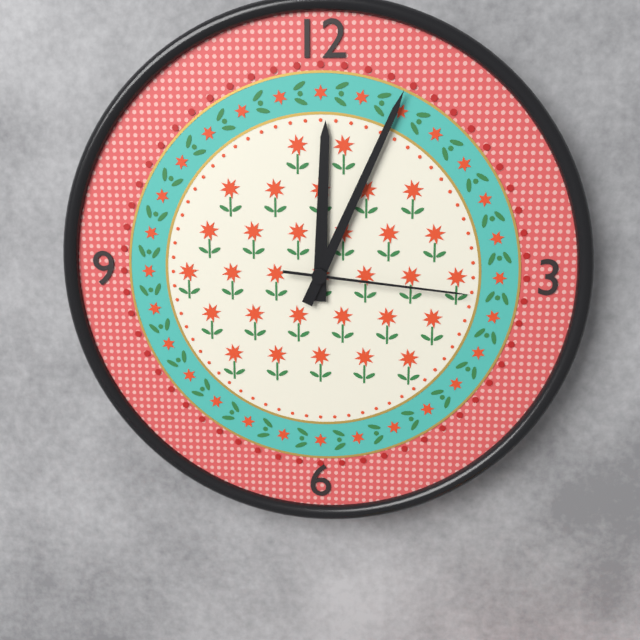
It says 12 h 04 min 16 s
